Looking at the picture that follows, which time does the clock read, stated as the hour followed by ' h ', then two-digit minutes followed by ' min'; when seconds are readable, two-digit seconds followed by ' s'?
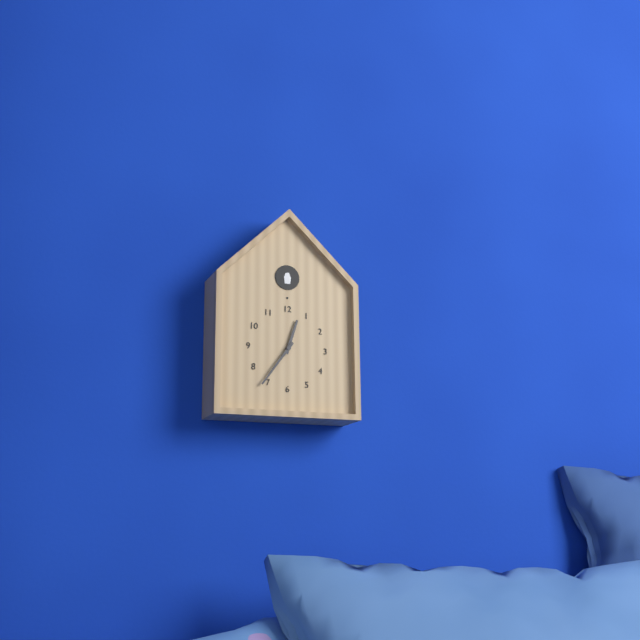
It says 12 h 36 min
